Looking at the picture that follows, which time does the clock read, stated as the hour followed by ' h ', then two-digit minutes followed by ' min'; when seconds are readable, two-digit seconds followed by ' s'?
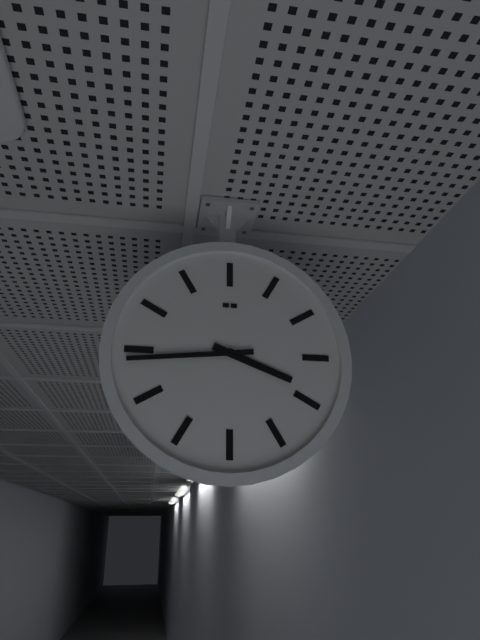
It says 3 h 44 min
